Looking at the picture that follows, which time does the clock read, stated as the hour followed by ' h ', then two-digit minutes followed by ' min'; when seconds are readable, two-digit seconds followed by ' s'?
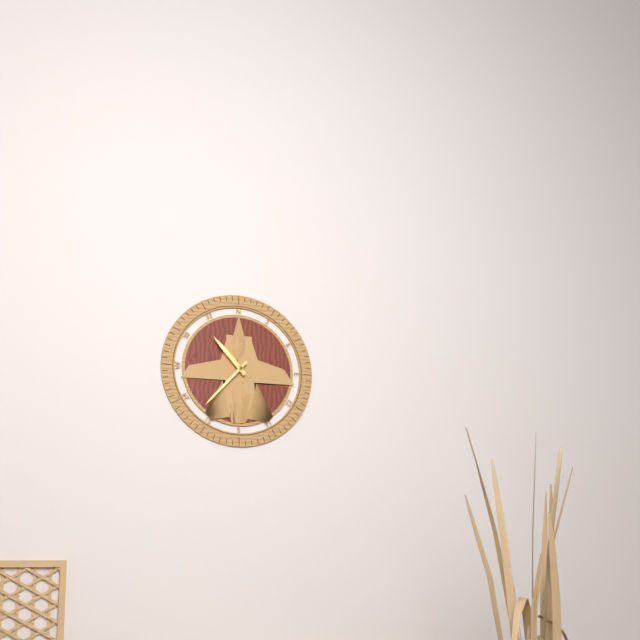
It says 10 h 37 min
